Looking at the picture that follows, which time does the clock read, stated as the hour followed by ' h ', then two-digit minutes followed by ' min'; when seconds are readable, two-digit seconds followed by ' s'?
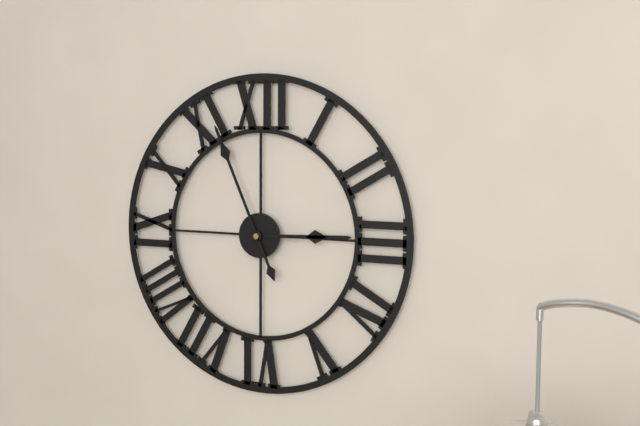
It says 2 h 56 min
